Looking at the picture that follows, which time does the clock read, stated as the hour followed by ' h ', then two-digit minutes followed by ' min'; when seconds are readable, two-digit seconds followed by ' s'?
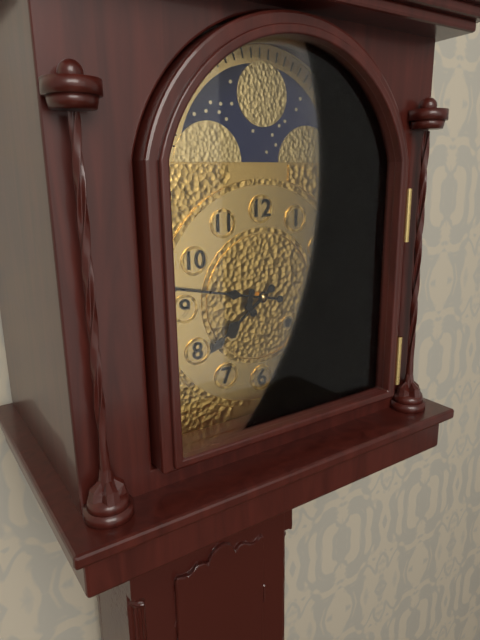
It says 7 h 47 min
